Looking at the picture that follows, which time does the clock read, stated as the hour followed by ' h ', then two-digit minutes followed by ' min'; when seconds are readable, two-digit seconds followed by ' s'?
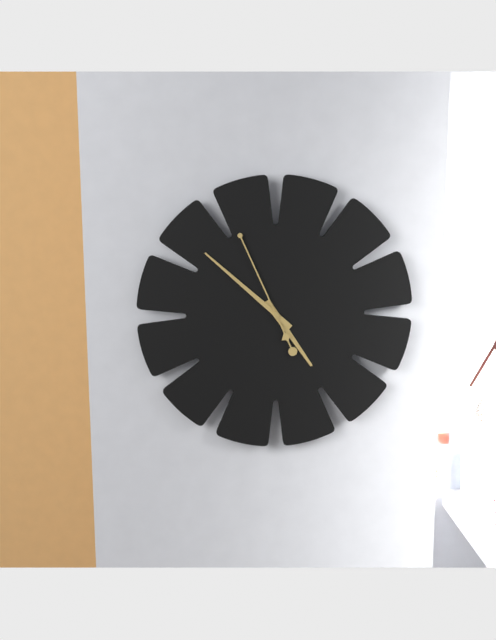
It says 4 h 52 min 56 s
